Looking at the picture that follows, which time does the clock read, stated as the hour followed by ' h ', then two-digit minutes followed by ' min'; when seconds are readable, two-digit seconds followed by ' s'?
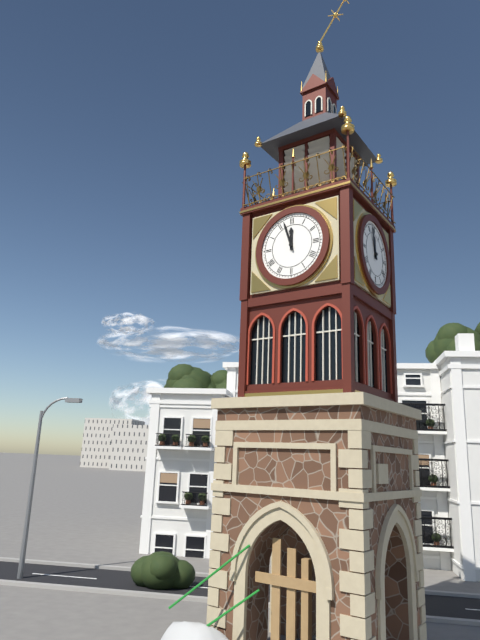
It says 11 h 57 min
